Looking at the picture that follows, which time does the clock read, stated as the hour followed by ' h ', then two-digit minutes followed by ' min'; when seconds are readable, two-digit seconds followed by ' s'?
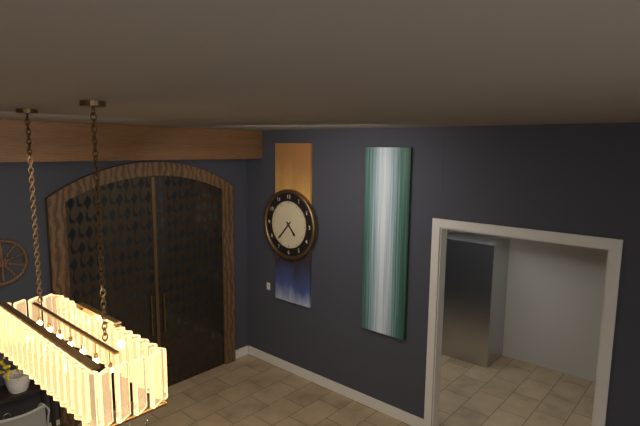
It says 4 h 37 min
